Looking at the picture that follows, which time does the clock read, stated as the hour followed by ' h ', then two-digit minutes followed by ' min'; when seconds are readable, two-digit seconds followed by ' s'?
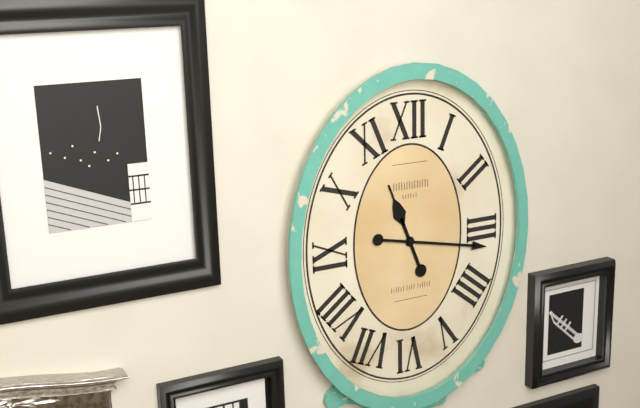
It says 11 h 17 min
